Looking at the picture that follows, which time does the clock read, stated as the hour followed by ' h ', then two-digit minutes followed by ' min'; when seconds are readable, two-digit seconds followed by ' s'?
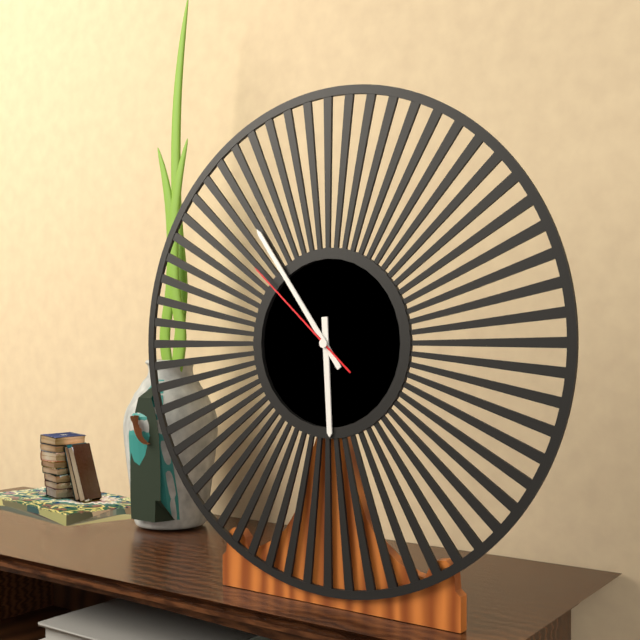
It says 5 h 54 min 52 s
